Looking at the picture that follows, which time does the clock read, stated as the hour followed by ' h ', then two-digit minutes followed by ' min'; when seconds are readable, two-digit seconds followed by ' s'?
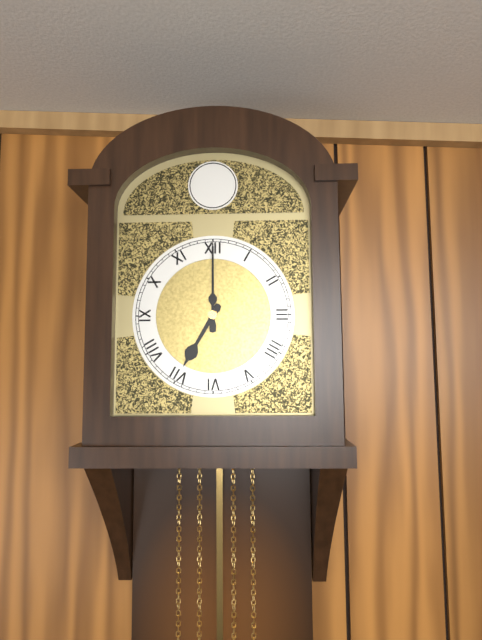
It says 7 h 00 min
